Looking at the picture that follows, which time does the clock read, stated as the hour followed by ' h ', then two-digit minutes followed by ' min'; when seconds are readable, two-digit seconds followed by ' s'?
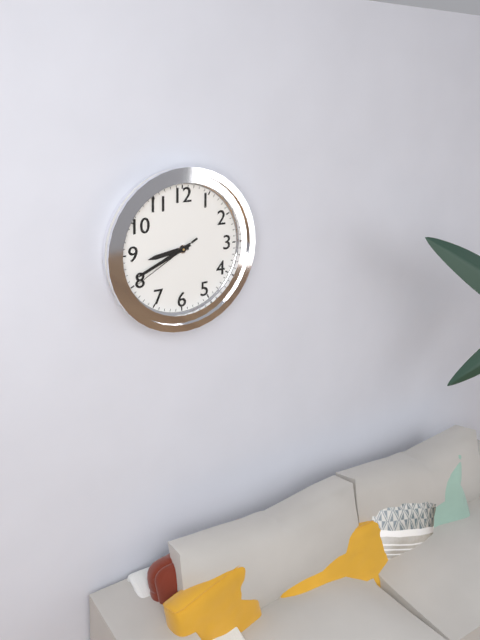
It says 8 h 41 min 40 s
